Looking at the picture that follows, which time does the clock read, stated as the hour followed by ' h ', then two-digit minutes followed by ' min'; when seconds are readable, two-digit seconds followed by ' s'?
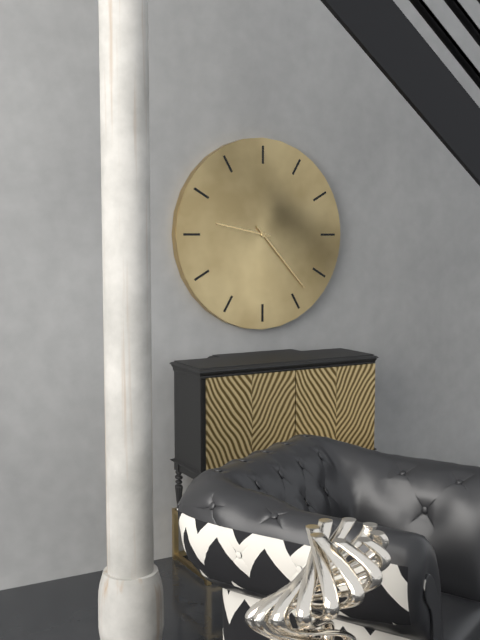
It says 9 h 23 min
